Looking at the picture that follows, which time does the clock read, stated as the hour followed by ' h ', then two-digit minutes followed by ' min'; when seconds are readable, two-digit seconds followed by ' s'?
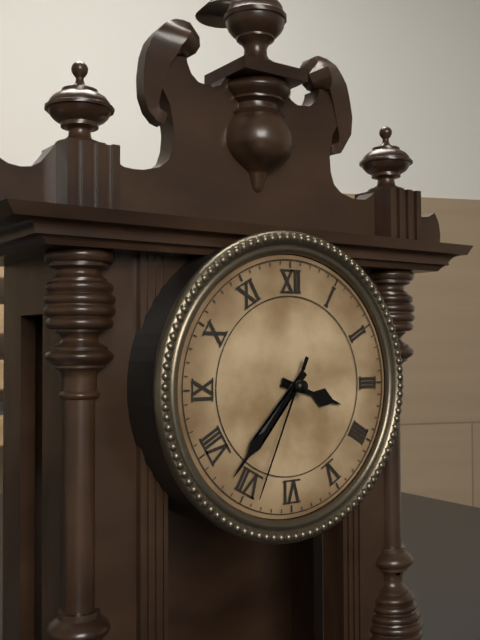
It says 3 h 37 min 34 s
